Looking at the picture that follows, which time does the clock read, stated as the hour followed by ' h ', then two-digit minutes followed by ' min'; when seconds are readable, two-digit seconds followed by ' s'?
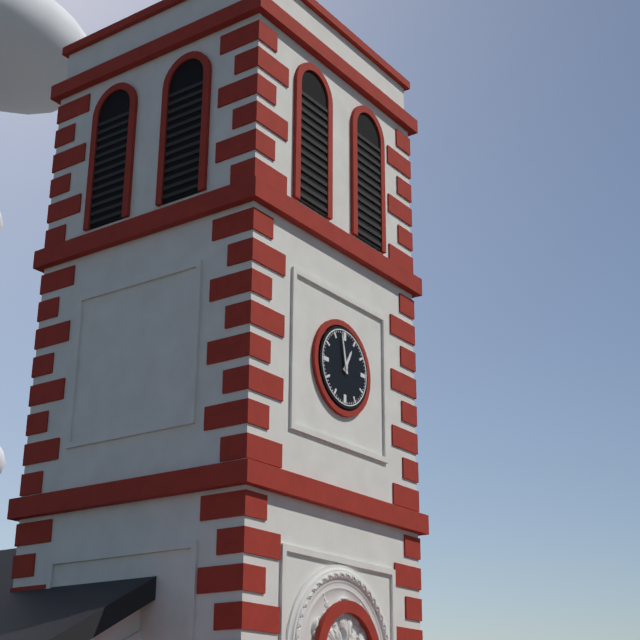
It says 12 h 58 min
